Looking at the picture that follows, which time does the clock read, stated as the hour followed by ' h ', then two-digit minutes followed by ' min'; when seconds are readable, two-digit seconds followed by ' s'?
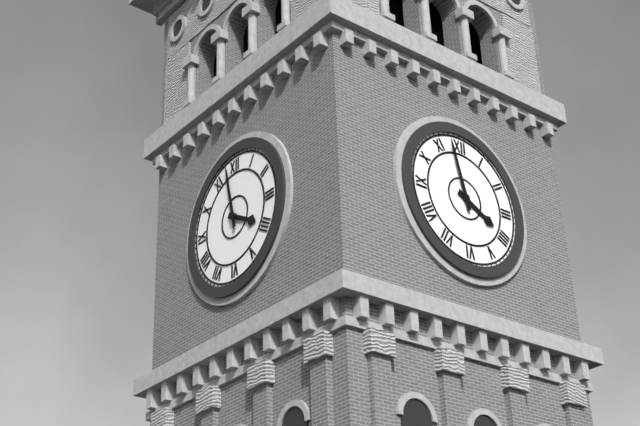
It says 3 h 58 min
